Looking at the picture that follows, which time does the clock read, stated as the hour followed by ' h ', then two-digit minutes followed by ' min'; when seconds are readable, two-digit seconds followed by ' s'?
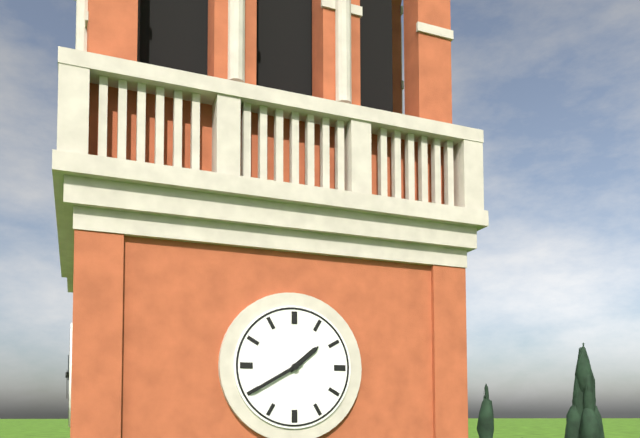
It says 1 h 40 min
